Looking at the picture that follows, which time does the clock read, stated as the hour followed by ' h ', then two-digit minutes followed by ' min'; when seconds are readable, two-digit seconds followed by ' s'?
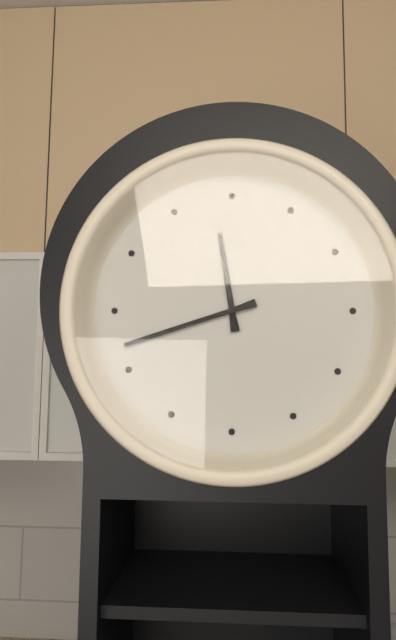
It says 11 h 42 min
